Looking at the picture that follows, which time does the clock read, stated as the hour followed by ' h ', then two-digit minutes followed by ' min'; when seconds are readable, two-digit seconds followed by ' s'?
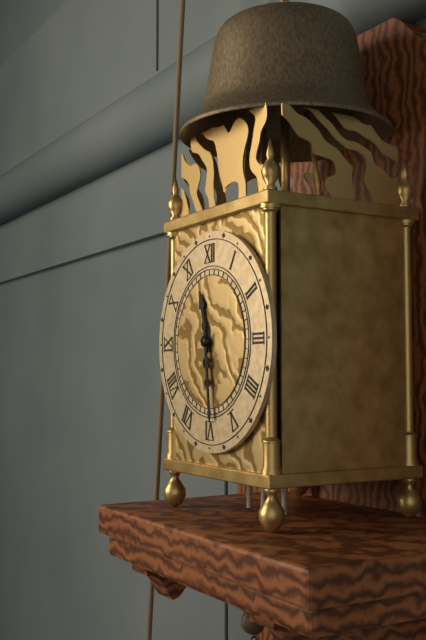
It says 11 h 29 min
